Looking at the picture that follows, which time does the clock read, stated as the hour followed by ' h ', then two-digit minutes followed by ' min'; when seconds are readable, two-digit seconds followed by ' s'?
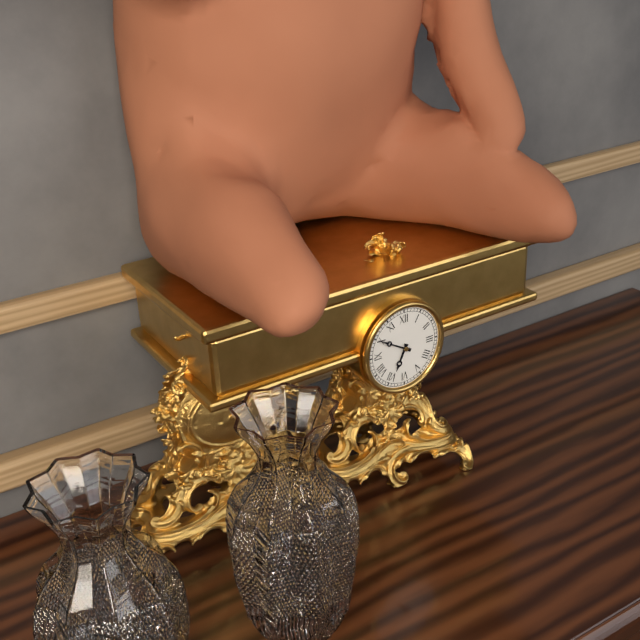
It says 6 h 50 min
